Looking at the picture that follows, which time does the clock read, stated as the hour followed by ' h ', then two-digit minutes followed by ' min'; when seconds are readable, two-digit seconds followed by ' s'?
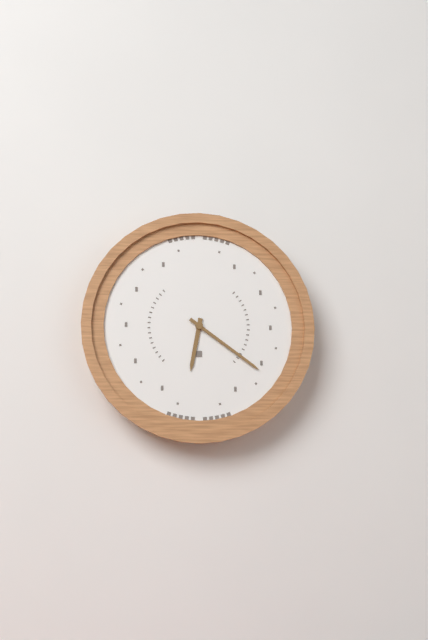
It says 6 h 21 min
